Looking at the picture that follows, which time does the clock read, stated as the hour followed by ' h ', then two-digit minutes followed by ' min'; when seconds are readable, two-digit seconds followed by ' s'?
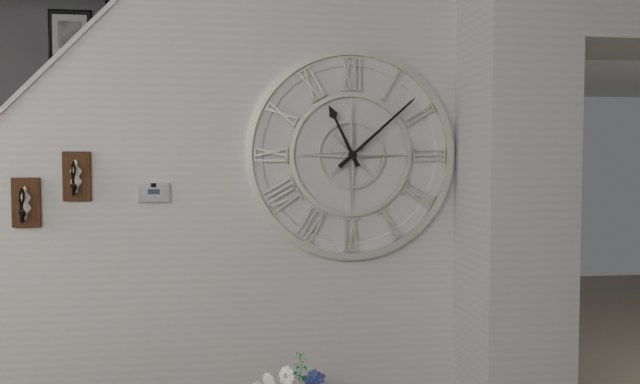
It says 11 h 08 min
